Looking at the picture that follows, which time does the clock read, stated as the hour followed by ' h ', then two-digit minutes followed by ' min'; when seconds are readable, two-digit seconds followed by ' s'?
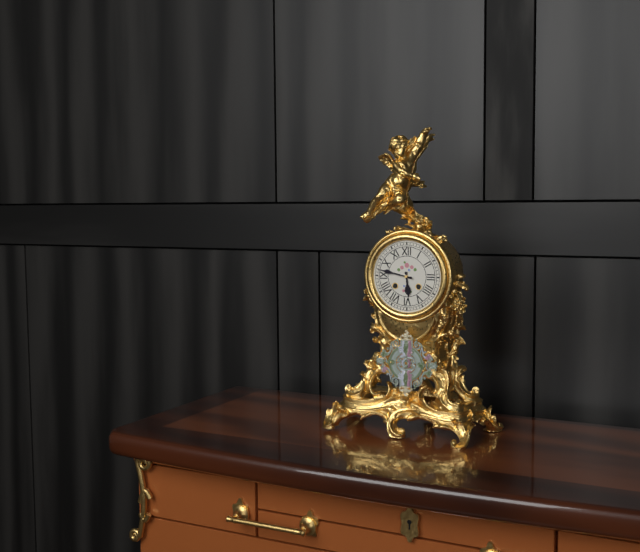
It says 5 h 47 min
